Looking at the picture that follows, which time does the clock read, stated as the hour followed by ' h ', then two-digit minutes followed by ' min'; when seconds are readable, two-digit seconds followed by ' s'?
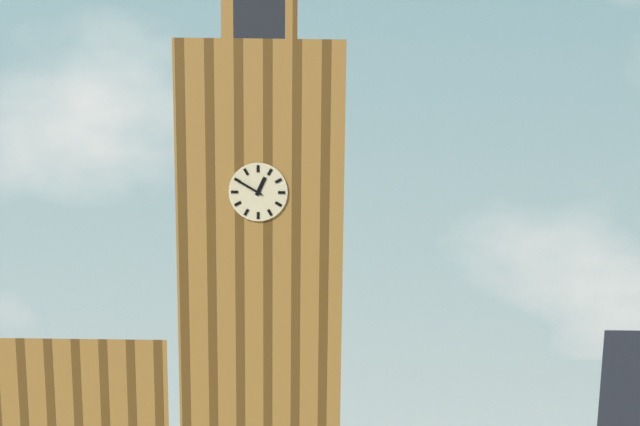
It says 12 h 50 min
